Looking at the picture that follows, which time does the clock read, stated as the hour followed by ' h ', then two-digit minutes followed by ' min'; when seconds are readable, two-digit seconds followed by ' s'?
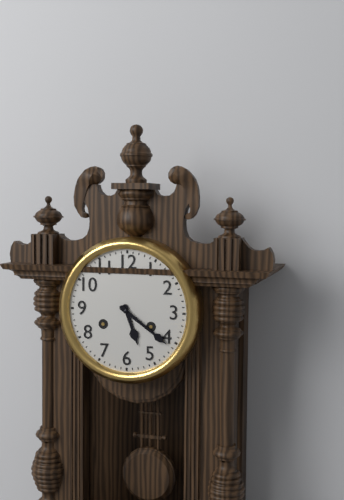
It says 5 h 21 min
